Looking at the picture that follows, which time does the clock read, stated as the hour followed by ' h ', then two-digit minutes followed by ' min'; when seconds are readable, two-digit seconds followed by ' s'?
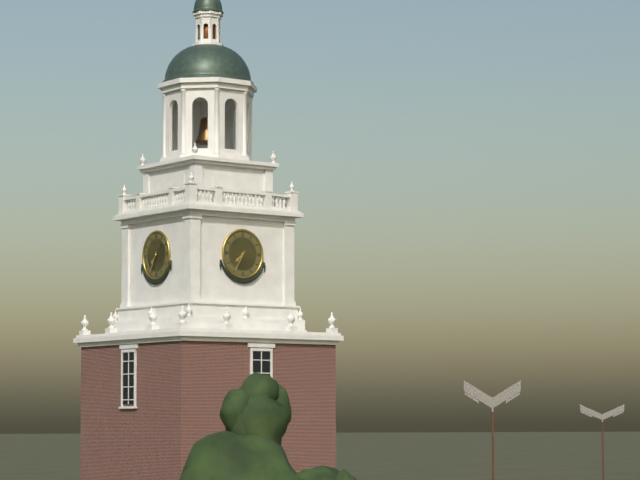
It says 7 h 35 min
